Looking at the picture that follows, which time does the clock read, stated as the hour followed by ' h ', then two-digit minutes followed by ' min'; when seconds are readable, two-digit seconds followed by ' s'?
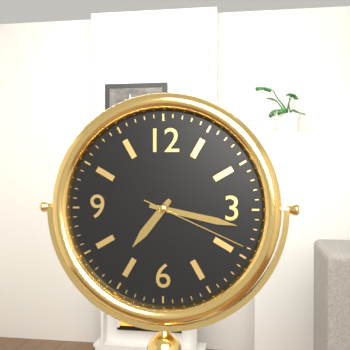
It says 7 h 17 min 19 s
